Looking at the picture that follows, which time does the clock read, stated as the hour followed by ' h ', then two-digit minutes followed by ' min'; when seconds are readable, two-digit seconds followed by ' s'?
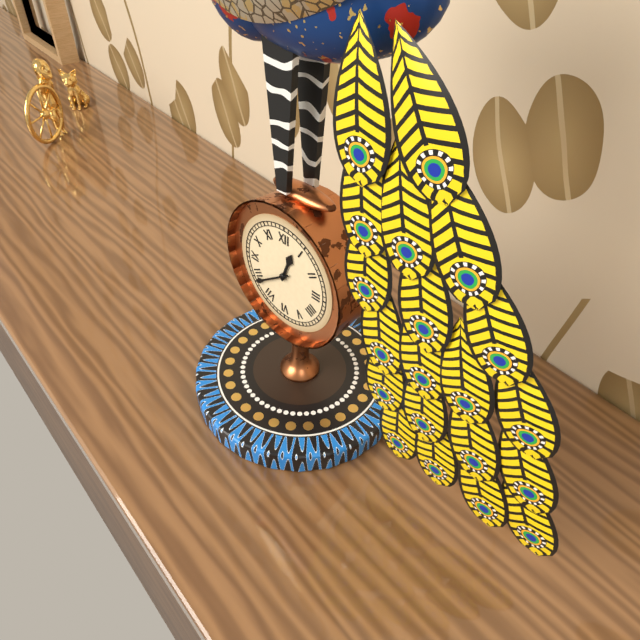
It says 12 h 39 min
